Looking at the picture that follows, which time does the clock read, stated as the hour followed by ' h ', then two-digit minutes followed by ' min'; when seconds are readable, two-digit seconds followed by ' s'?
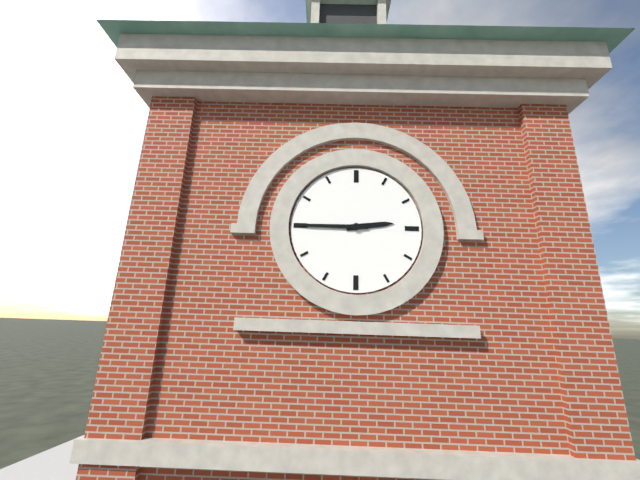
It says 2 h 45 min
